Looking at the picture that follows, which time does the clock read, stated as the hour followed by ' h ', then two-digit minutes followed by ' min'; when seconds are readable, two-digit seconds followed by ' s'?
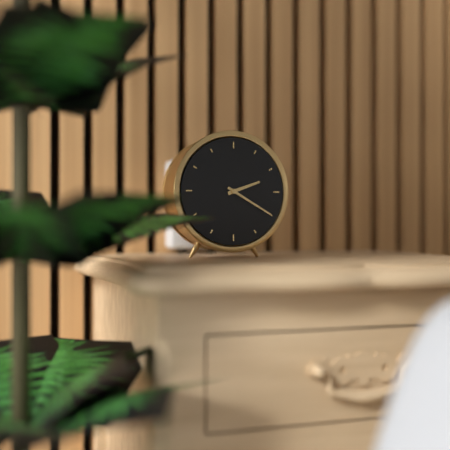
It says 2 h 20 min
